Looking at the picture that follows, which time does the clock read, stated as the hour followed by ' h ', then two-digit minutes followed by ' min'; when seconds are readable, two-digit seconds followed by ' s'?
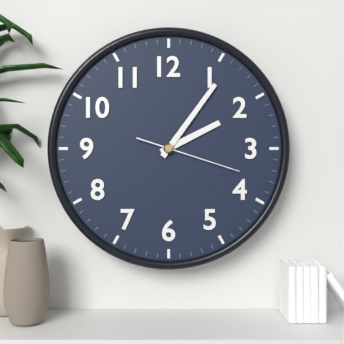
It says 2 h 06 min 18 s
